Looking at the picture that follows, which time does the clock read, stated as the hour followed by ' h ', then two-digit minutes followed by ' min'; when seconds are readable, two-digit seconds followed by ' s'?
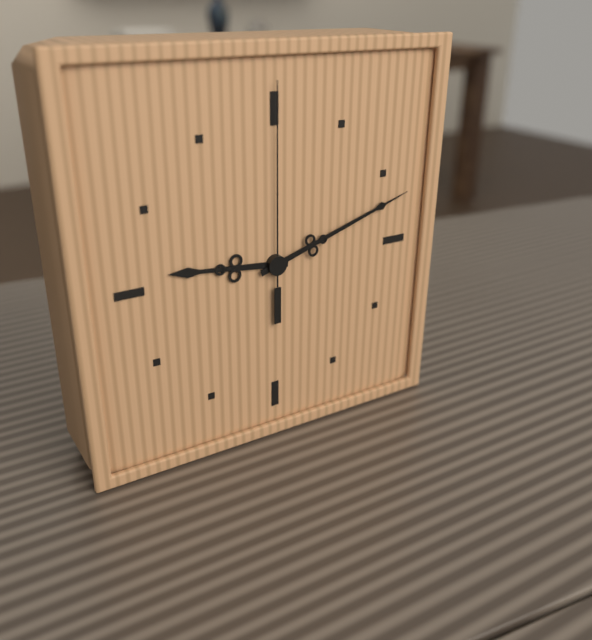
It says 9 h 12 min 00 s
